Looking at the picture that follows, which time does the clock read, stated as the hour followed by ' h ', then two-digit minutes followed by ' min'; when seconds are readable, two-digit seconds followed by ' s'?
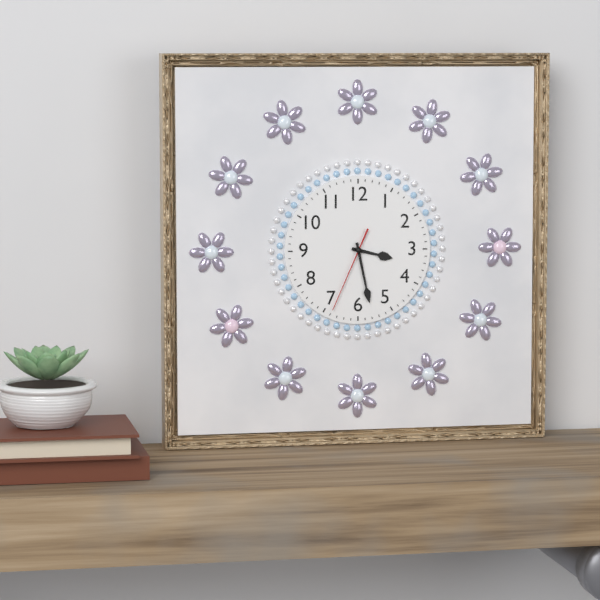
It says 3 h 28 min 34 s
